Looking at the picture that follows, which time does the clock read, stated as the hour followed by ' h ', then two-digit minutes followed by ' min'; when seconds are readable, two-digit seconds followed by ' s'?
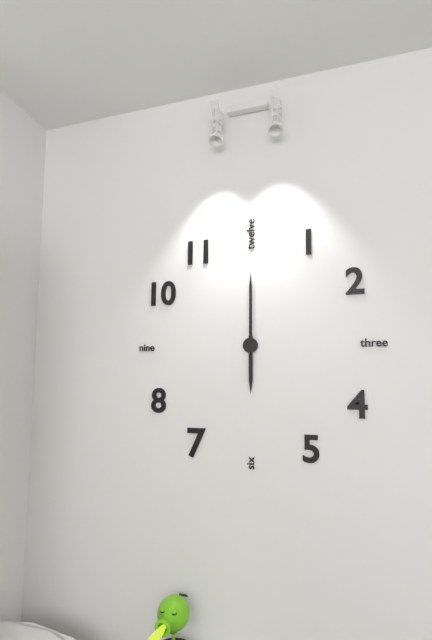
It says 6 h 00 min
